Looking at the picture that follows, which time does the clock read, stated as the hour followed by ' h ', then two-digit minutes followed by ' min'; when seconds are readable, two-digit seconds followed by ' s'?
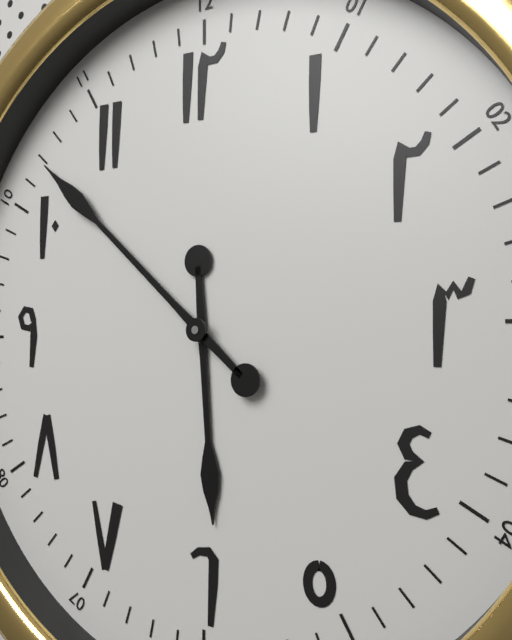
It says 5 h 52 min
